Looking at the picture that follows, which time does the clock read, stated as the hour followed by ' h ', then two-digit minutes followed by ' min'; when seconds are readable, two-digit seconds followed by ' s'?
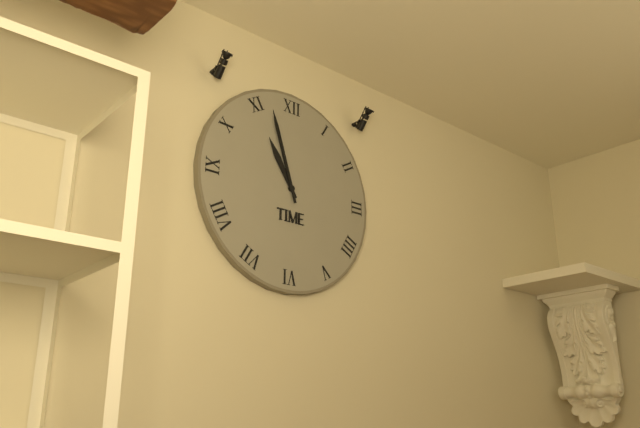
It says 10 h 57 min
